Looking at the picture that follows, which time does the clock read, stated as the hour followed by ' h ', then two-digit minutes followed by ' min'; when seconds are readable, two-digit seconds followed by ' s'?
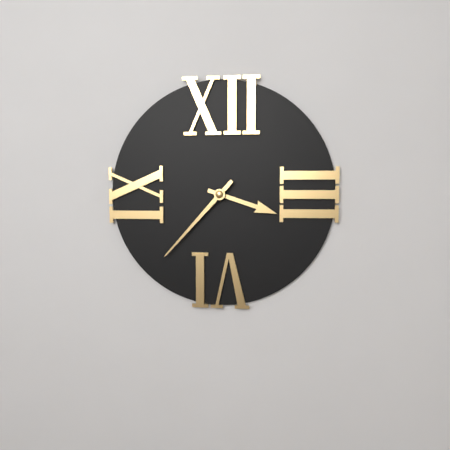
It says 3 h 37 min
